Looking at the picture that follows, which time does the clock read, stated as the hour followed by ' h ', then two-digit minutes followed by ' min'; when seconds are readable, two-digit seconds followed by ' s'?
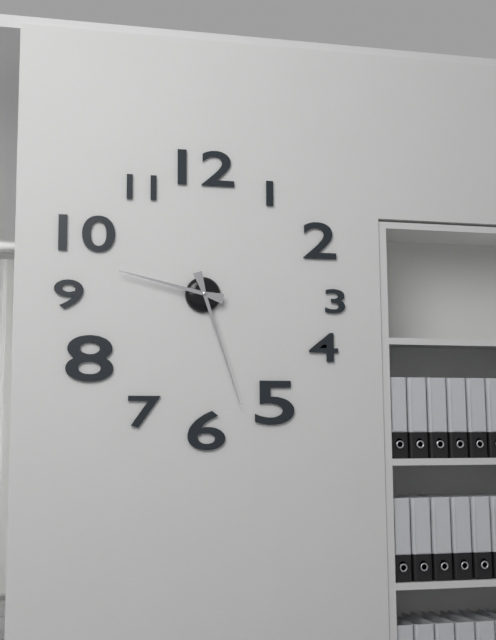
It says 9 h 27 min
